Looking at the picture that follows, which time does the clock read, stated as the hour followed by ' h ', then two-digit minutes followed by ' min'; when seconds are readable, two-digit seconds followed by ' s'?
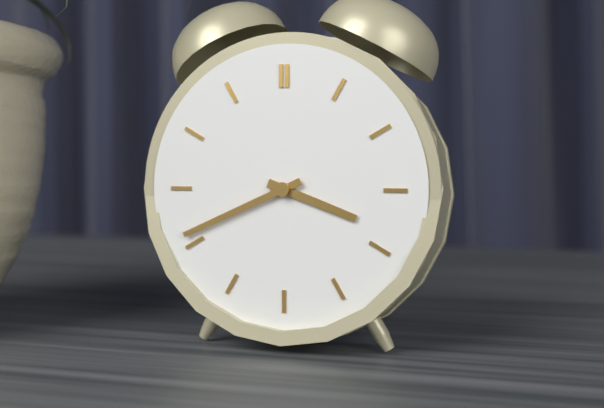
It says 3 h 41 min
